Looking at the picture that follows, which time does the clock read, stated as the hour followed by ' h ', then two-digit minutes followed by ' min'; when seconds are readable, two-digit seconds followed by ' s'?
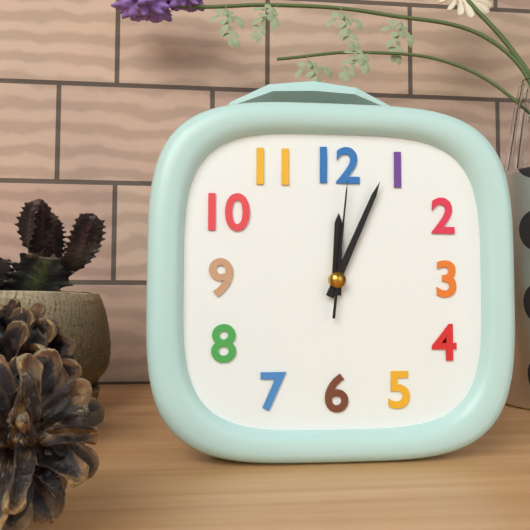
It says 12 h 04 min 01 s
